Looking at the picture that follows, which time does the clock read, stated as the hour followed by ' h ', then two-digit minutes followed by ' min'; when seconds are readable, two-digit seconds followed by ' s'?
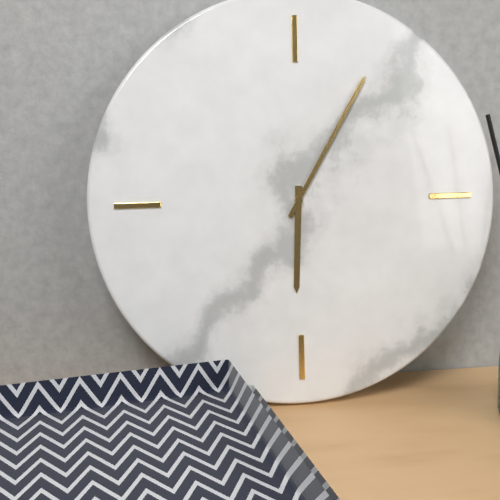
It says 6 h 05 min
